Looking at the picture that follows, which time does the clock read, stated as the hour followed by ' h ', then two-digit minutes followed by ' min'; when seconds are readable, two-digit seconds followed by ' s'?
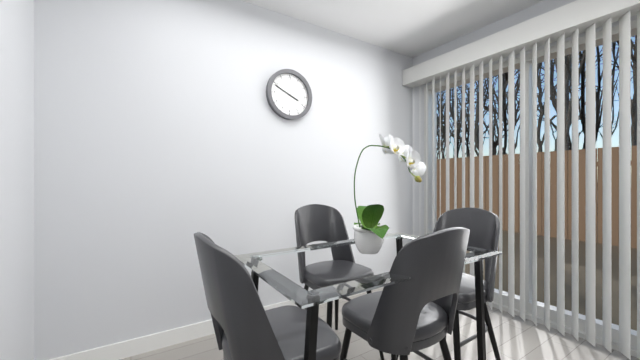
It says 3 h 49 min
